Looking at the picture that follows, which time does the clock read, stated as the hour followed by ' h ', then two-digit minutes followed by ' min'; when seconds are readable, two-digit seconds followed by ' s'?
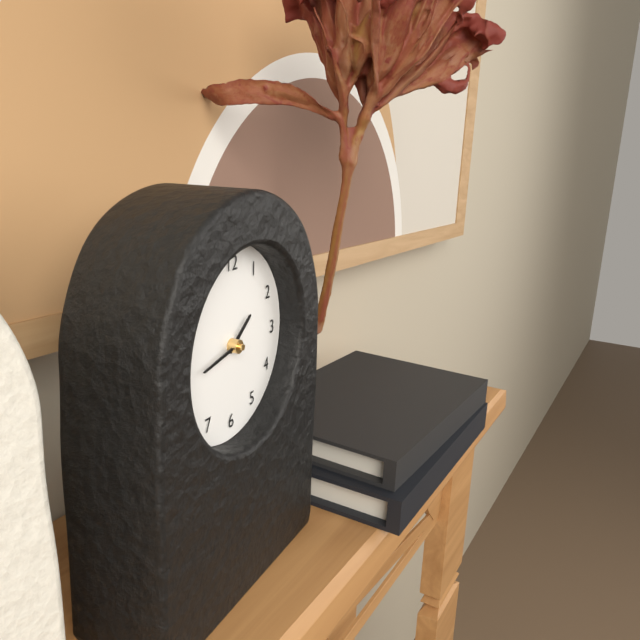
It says 1 h 43 min
